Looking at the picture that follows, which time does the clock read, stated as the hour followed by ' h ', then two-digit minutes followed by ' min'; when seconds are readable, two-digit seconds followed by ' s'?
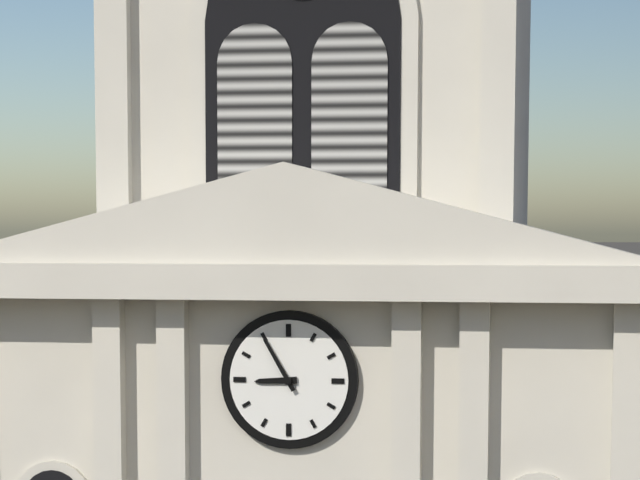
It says 8 h 55 min
